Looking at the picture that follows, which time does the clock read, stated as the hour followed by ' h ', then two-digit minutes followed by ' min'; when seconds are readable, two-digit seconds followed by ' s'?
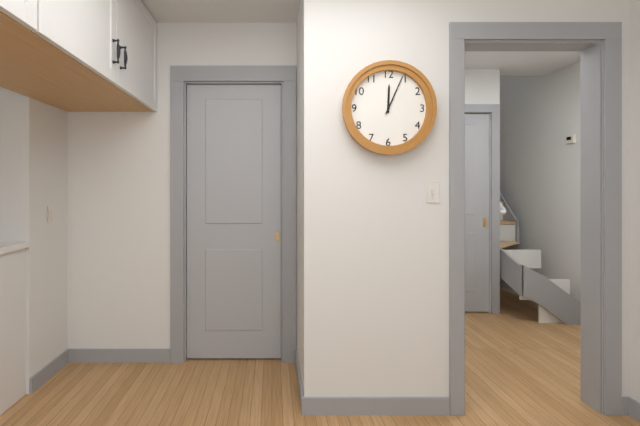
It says 12 h 04 min
